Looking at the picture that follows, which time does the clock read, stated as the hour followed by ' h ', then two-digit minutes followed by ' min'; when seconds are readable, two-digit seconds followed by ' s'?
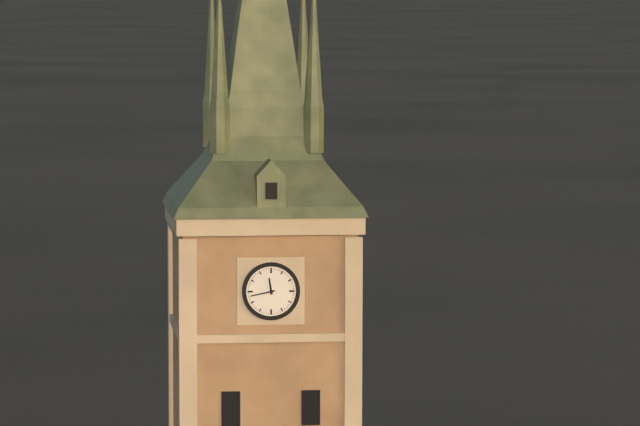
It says 11 h 43 min
